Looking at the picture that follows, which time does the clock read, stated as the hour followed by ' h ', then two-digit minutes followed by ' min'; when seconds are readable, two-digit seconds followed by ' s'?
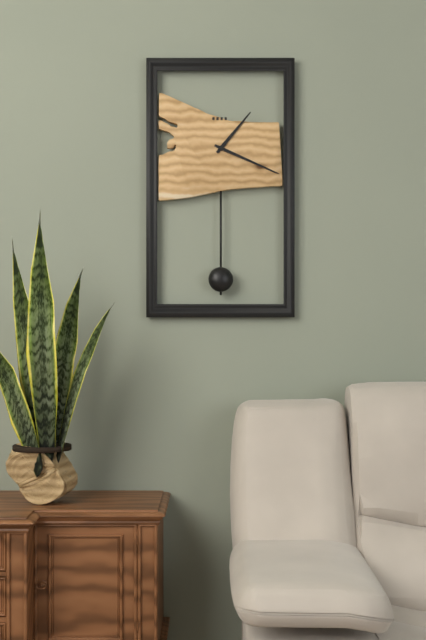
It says 1 h 19 min
